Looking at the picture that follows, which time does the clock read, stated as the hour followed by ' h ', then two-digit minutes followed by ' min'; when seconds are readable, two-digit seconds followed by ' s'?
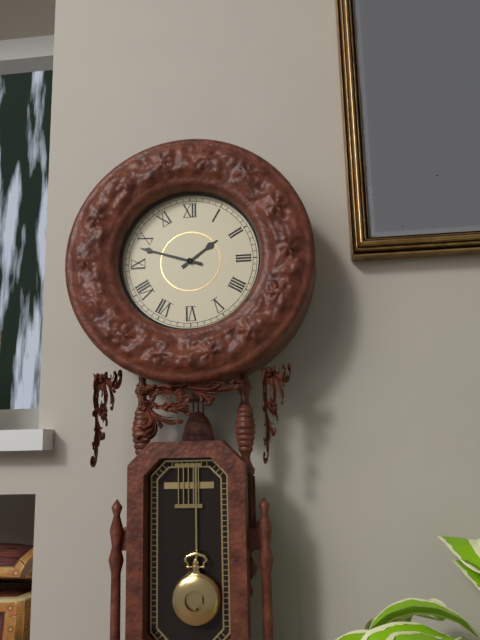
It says 1 h 48 min
